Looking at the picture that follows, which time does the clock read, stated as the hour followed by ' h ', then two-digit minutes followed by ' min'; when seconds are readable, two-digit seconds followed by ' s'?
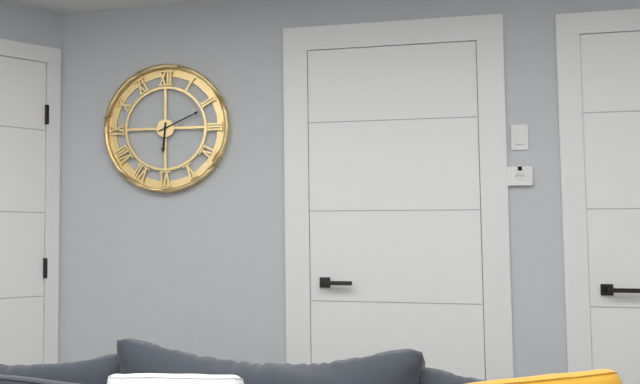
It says 6 h 11 min
